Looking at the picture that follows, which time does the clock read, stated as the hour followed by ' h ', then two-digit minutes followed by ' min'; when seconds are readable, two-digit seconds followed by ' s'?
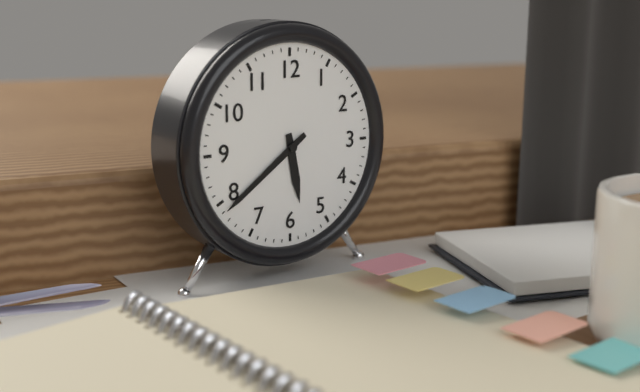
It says 5 h 39 min
